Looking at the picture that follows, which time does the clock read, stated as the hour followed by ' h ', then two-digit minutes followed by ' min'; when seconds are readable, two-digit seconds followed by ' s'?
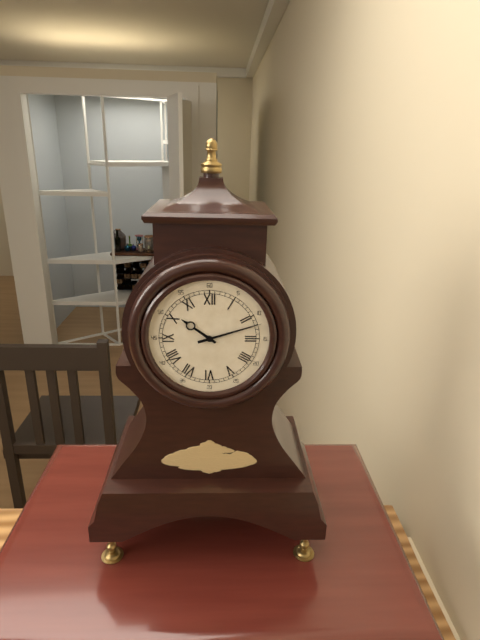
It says 10 h 12 min
